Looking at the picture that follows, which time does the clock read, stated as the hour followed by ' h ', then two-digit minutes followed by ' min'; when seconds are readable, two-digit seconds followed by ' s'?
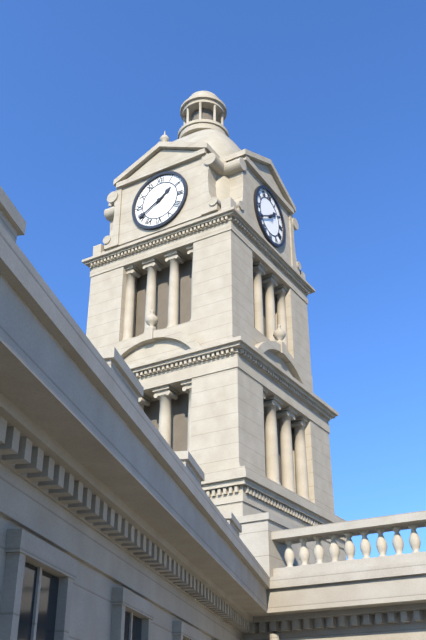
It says 1 h 40 min
